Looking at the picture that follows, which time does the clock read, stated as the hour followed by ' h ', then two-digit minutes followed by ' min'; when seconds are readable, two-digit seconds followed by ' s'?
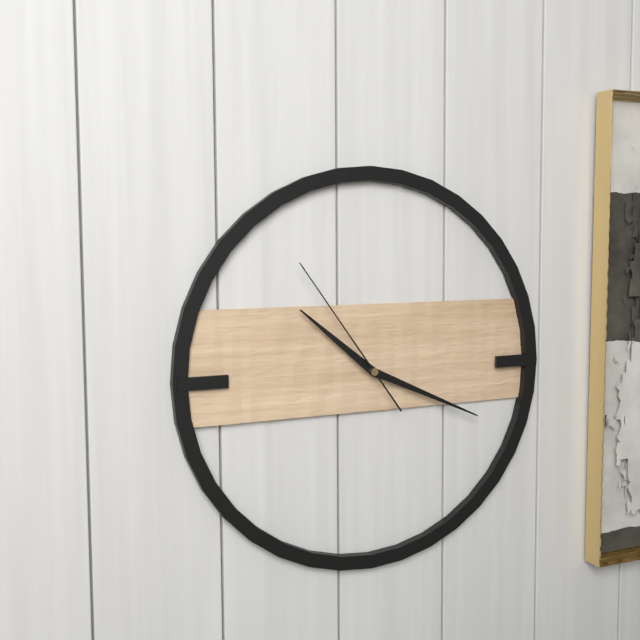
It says 10 h 19 min 54 s
